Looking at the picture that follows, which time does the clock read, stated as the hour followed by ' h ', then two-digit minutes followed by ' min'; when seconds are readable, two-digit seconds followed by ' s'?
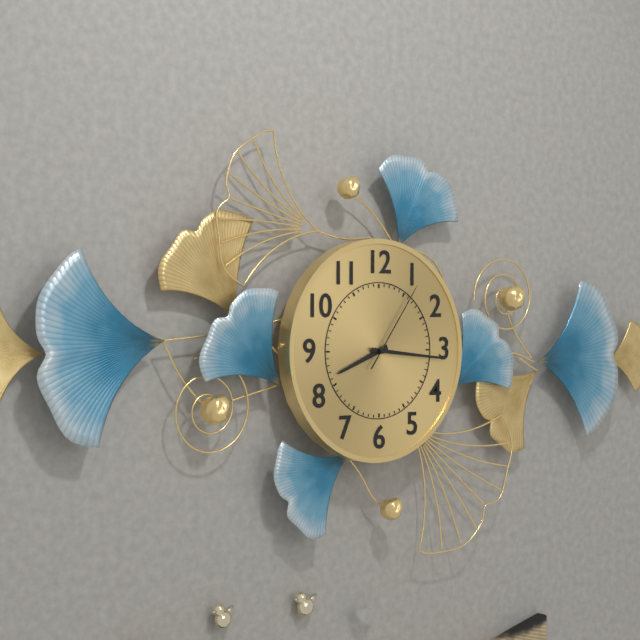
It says 8 h 16 min 06 s
